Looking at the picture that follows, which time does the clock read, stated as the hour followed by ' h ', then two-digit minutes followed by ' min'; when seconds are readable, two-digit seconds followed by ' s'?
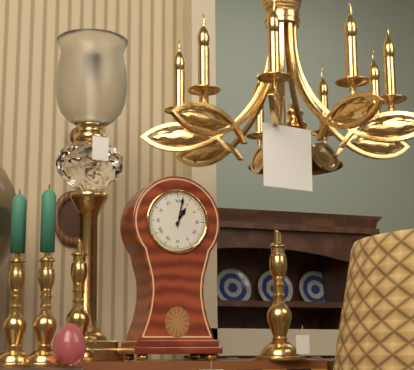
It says 1 h 02 min
